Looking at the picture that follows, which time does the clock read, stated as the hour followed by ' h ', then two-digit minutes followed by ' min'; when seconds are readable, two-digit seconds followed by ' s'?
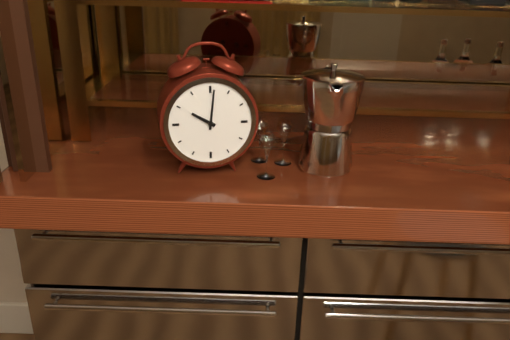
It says 10 h 01 min
